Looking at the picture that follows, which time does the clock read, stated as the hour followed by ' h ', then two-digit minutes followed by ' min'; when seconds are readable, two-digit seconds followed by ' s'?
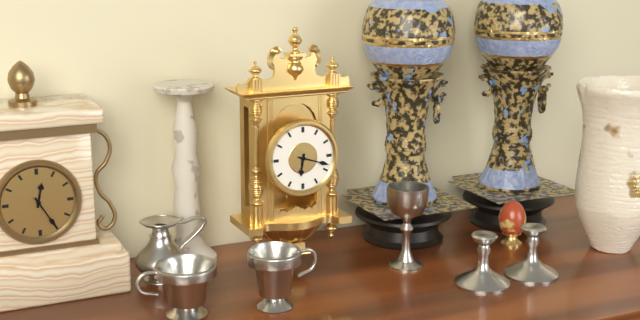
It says 6 h 18 min
